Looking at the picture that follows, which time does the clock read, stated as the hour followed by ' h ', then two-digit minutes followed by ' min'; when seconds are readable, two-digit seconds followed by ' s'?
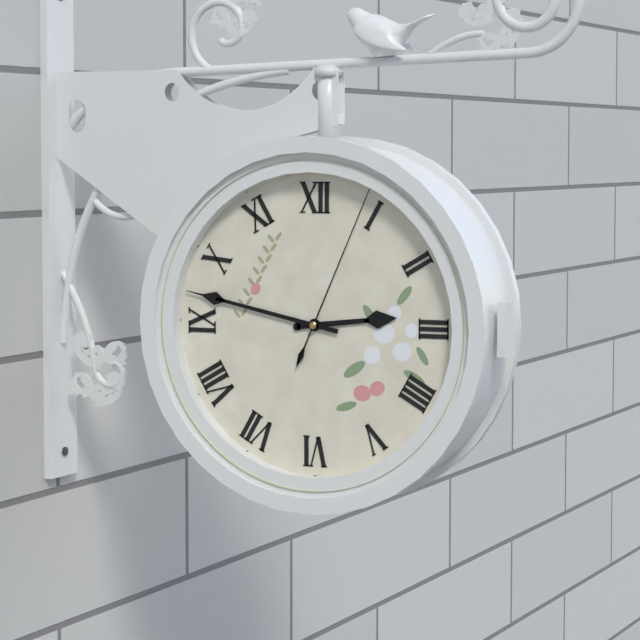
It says 2 h 47 min 04 s
